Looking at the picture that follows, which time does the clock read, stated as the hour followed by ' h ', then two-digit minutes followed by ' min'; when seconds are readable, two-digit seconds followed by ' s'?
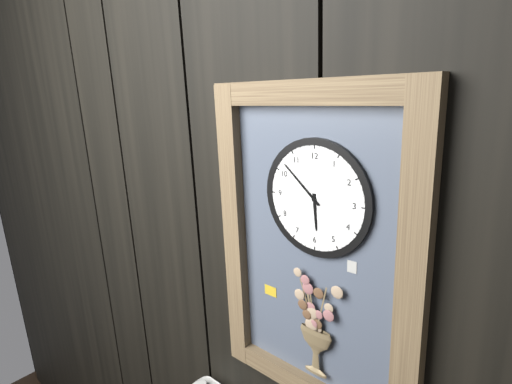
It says 5 h 52 min
